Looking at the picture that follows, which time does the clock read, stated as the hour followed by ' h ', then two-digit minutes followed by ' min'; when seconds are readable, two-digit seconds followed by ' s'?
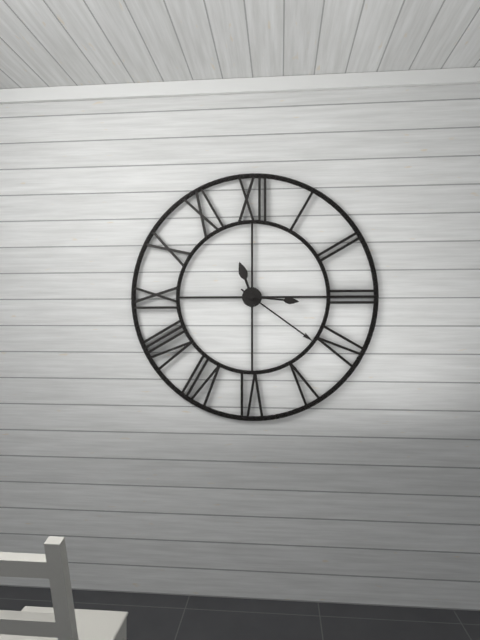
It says 11 h 21 min 16 s
